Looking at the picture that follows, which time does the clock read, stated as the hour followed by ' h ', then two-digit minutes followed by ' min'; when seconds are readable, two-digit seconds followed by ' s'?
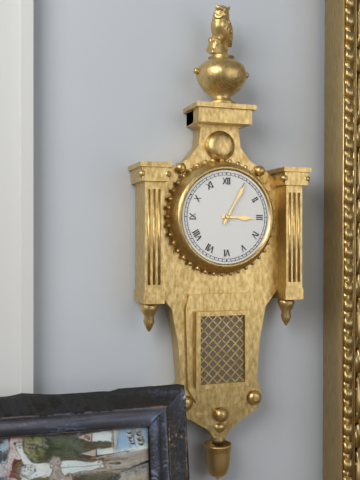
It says 3 h 05 min
